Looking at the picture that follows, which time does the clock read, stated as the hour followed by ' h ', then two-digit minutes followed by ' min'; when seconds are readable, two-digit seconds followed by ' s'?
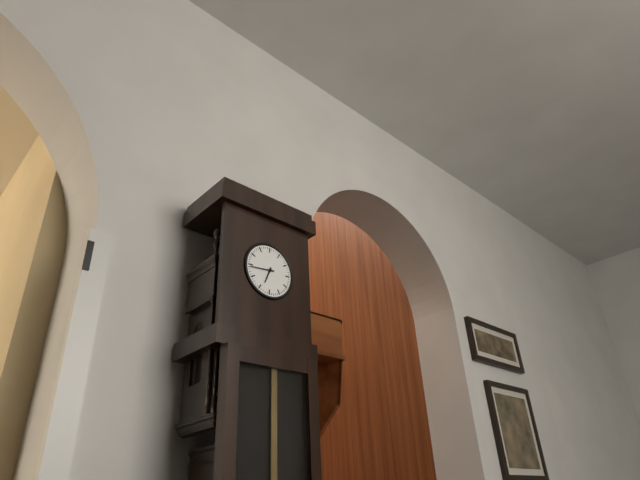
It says 6 h 44 min
